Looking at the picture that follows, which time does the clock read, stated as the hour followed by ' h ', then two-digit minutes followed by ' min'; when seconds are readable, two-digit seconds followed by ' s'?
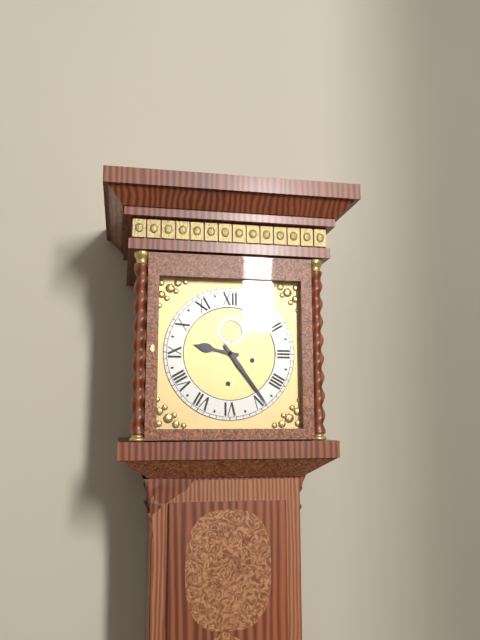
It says 9 h 24 min
